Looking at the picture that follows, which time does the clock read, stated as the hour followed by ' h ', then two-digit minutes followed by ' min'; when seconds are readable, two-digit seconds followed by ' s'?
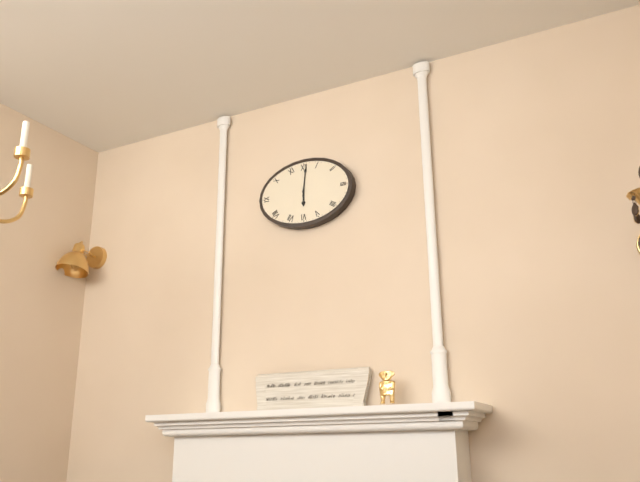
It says 6 h 01 min
